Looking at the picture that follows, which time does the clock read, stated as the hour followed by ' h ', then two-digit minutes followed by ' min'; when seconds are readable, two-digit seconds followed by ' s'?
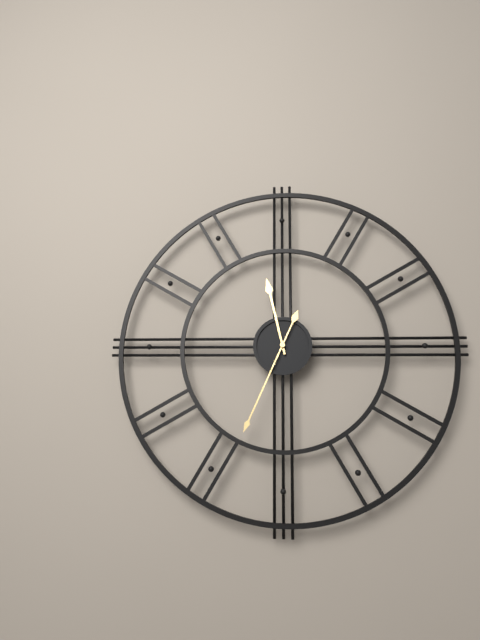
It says 11 h 34 min
